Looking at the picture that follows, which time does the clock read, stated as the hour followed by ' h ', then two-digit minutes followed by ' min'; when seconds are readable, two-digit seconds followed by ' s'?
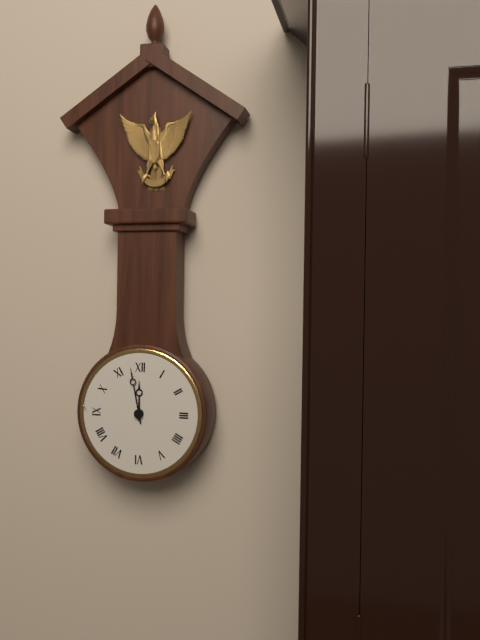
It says 11 h 58 min
